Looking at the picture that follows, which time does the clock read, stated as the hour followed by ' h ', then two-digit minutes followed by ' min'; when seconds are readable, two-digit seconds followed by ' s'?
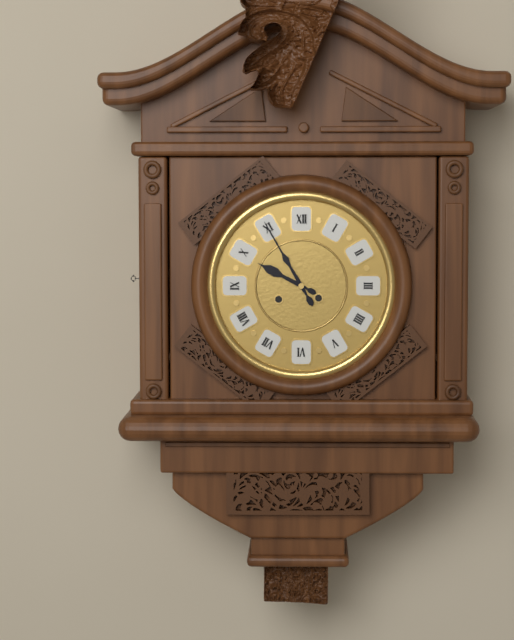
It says 9 h 55 min
